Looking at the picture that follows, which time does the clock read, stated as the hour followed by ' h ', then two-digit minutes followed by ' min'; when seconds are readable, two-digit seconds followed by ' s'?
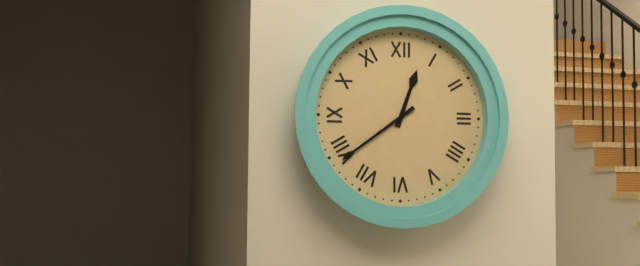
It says 12 h 39 min
